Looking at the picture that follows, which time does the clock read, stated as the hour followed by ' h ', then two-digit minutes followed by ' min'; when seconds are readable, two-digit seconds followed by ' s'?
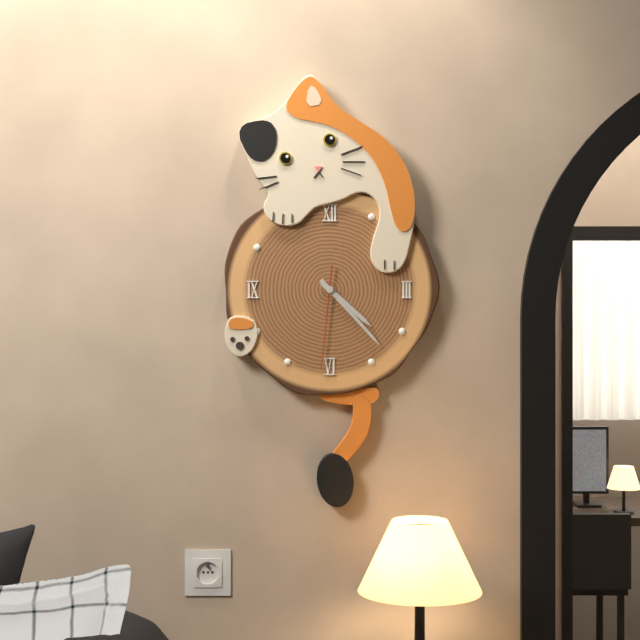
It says 4 h 23 min 31 s
